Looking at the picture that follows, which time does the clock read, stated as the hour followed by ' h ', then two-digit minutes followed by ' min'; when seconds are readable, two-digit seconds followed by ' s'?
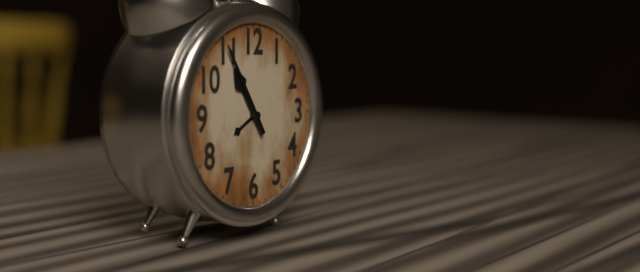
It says 10 h 55 min
